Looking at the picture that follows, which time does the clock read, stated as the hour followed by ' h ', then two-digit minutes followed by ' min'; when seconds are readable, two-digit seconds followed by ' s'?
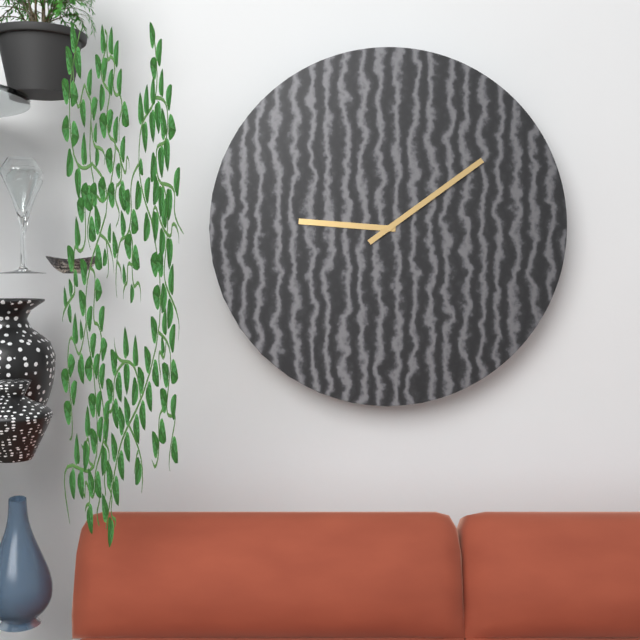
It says 9 h 09 min
